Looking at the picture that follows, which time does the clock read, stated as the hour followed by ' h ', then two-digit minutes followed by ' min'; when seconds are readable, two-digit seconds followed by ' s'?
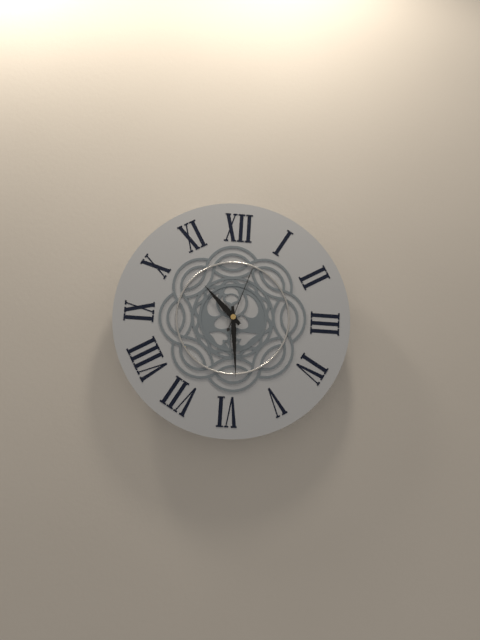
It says 10 h 29 min 03 s
